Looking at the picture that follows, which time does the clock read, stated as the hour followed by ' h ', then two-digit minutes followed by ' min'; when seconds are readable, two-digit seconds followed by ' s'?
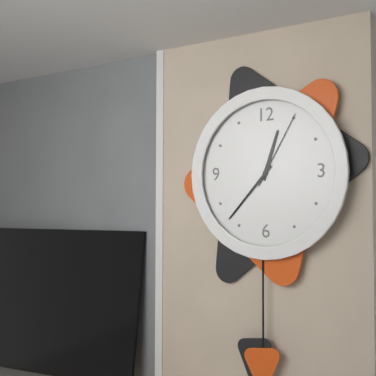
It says 12 h 37 min 05 s
